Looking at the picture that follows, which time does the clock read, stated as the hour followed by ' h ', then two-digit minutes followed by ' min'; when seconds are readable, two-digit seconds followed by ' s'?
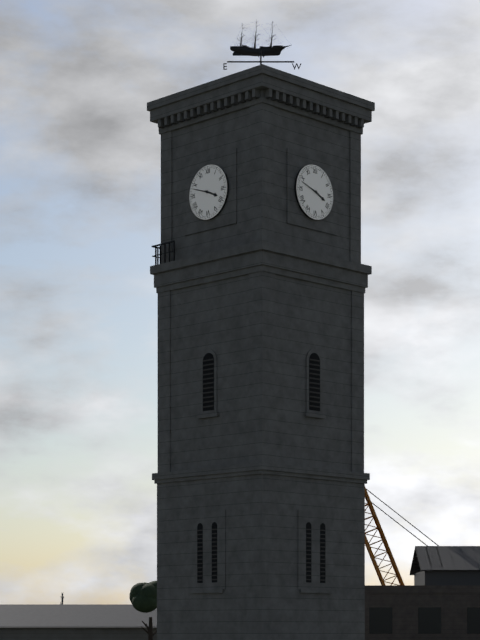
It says 3 h 48 min
